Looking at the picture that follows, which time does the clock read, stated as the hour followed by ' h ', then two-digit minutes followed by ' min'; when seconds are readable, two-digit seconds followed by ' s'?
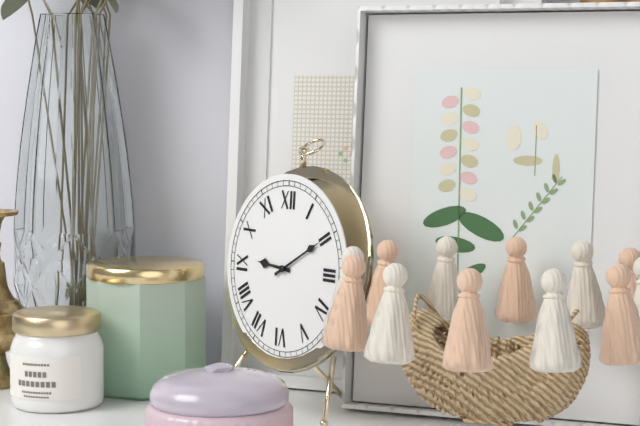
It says 9 h 10 min
